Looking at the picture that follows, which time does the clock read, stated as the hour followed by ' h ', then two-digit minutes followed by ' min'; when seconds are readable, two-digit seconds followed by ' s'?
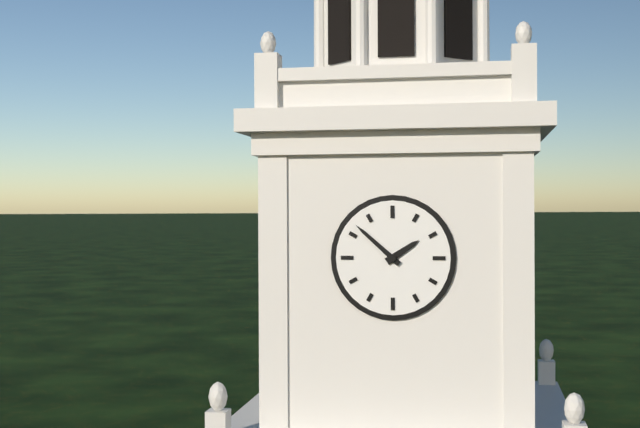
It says 1 h 52 min
